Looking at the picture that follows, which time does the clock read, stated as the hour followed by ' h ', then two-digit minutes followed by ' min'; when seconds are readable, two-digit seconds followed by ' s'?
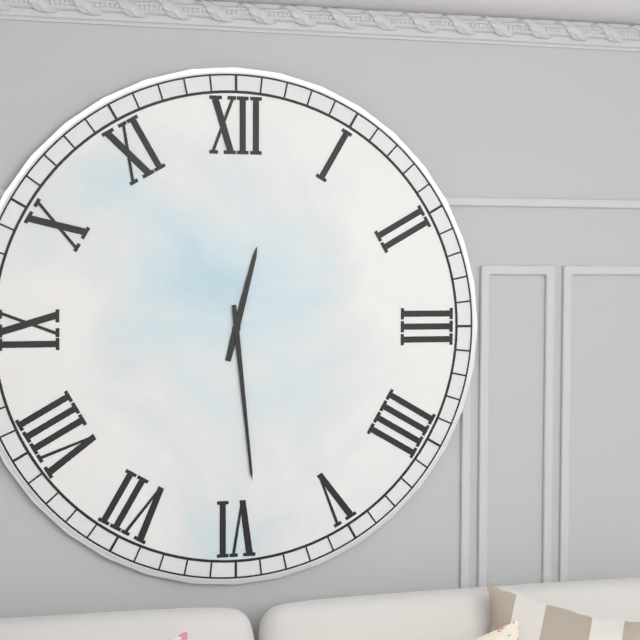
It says 12 h 29 min
